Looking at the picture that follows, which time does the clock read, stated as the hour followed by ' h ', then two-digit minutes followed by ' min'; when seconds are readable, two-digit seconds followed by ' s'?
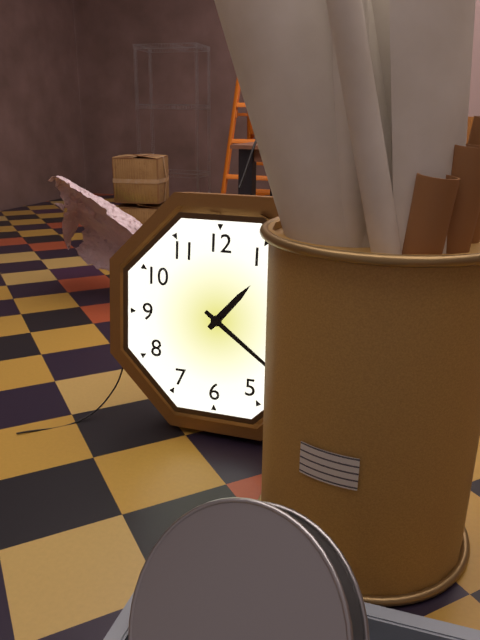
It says 1 h 21 min
